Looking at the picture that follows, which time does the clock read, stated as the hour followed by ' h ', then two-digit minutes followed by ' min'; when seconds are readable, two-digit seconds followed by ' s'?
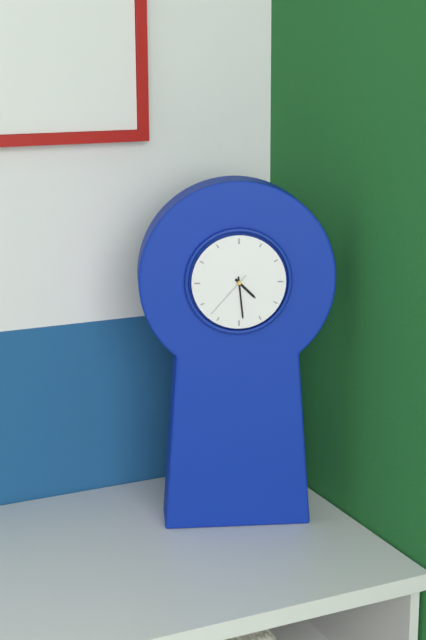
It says 4 h 29 min 37 s
